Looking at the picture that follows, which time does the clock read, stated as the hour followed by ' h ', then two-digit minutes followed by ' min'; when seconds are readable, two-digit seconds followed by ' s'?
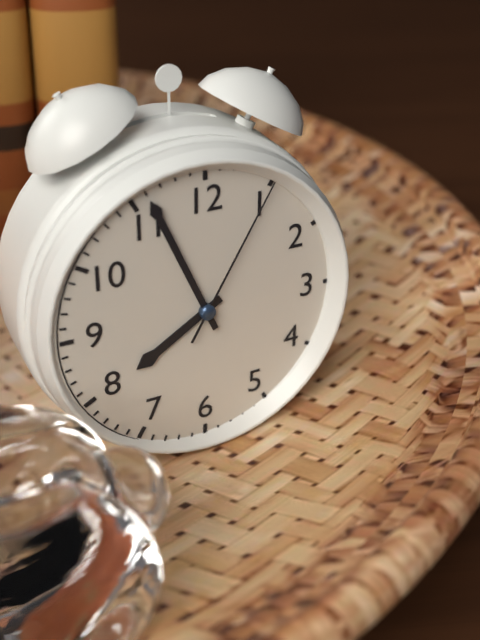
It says 7 h 56 min 05 s
